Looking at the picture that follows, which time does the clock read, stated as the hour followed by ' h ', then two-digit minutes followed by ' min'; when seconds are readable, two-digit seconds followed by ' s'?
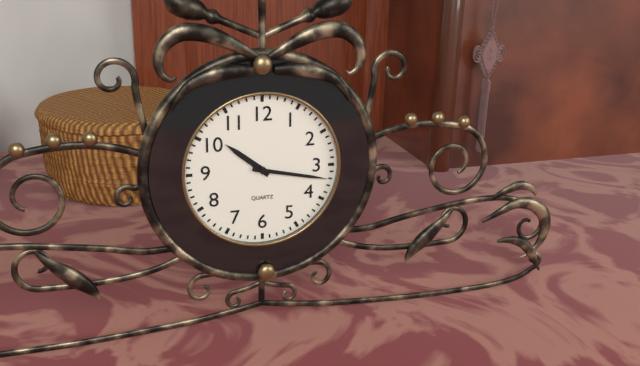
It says 10 h 17 min
